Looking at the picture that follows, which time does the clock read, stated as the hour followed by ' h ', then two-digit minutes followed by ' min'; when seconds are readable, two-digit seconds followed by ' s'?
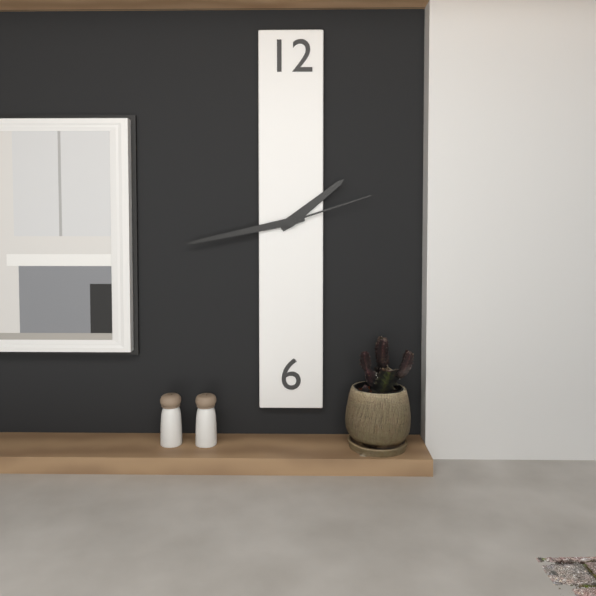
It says 1 h 43 min 12 s
